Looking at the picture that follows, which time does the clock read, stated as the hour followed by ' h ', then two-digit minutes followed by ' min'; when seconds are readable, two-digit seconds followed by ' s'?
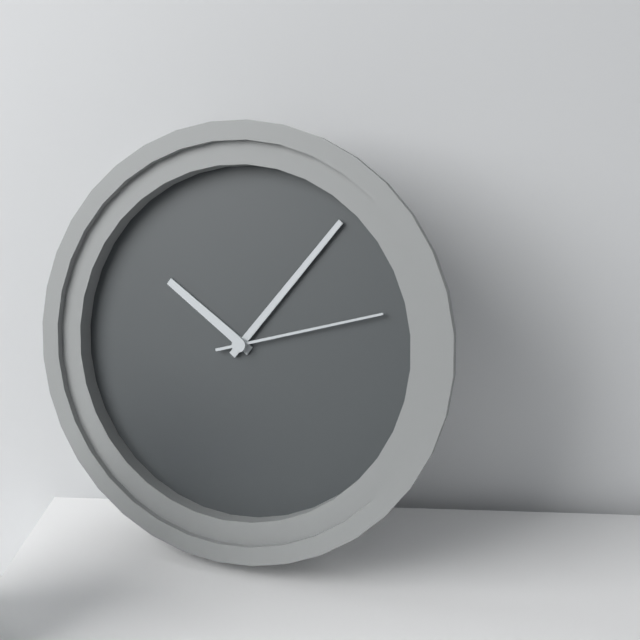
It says 10 h 06 min 12 s
